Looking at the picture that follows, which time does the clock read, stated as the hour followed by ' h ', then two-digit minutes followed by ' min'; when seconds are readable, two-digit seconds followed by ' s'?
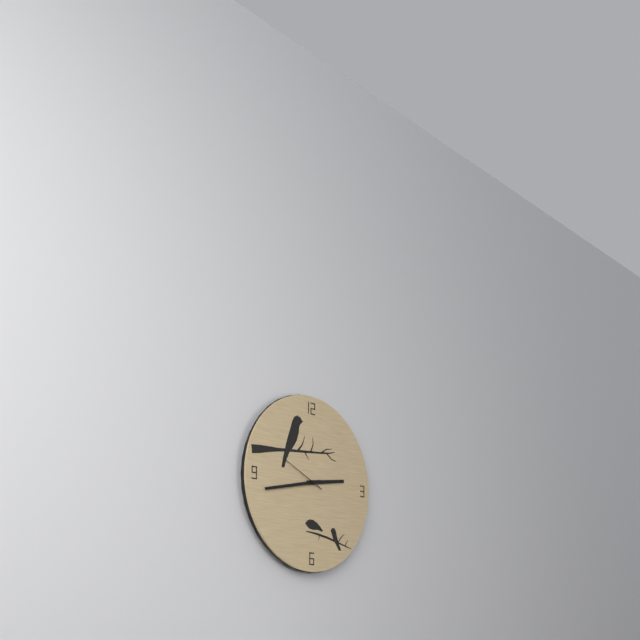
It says 2 h 43 min
